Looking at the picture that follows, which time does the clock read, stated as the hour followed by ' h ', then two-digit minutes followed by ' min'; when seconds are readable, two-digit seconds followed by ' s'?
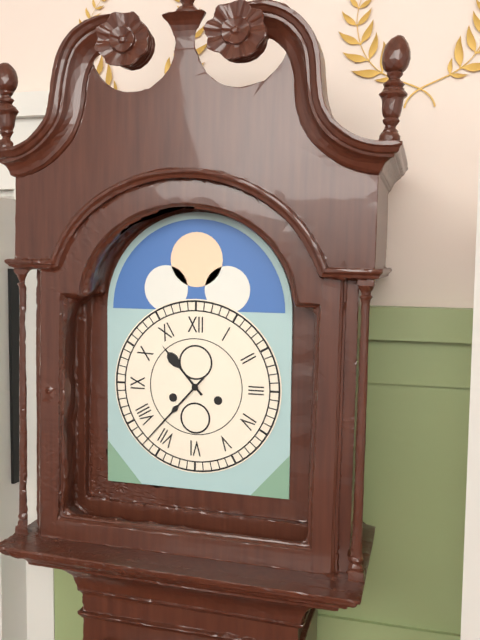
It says 10 h 37 min
